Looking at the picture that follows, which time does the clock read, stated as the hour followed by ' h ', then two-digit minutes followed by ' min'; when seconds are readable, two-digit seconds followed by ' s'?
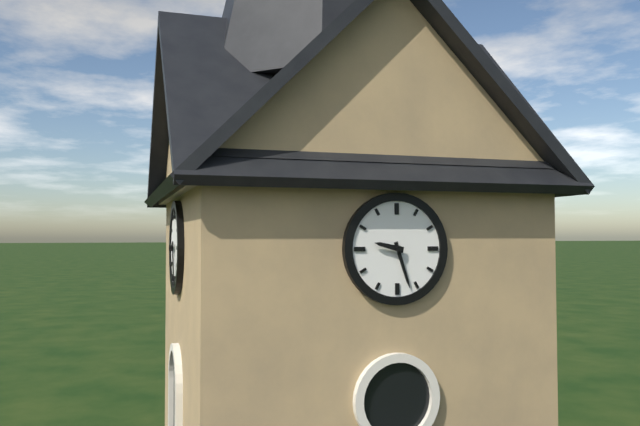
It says 9 h 27 min
